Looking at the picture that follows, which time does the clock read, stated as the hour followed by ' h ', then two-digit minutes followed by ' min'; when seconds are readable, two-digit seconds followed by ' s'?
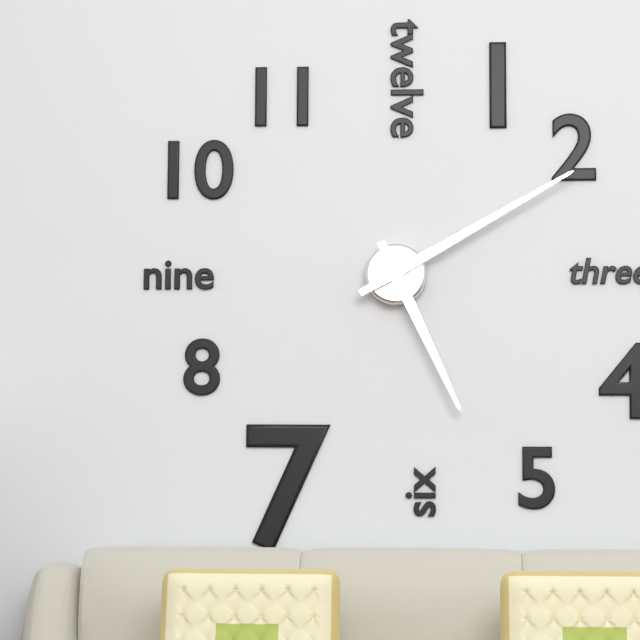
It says 5 h 10 min
